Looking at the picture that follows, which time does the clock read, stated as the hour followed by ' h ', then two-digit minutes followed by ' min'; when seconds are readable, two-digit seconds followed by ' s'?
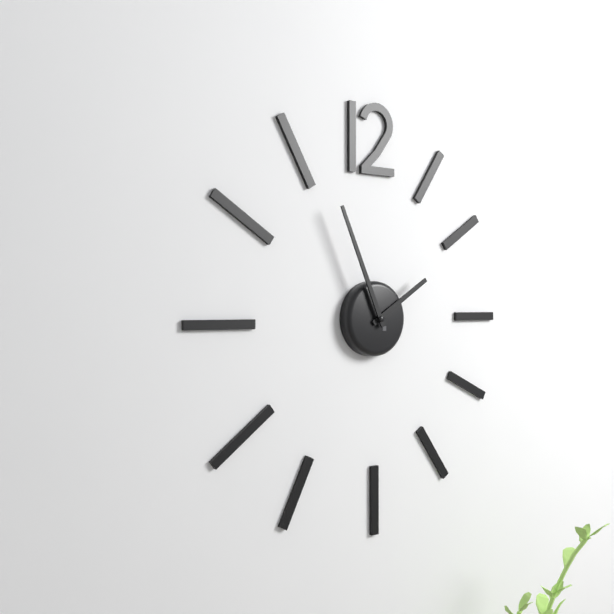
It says 1 h 56 min
